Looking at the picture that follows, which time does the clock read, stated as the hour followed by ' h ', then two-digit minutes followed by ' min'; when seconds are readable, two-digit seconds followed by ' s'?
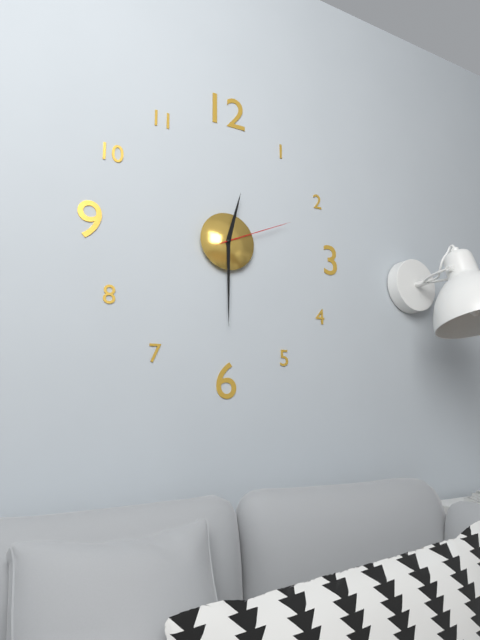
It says 12 h 30 min 11 s
